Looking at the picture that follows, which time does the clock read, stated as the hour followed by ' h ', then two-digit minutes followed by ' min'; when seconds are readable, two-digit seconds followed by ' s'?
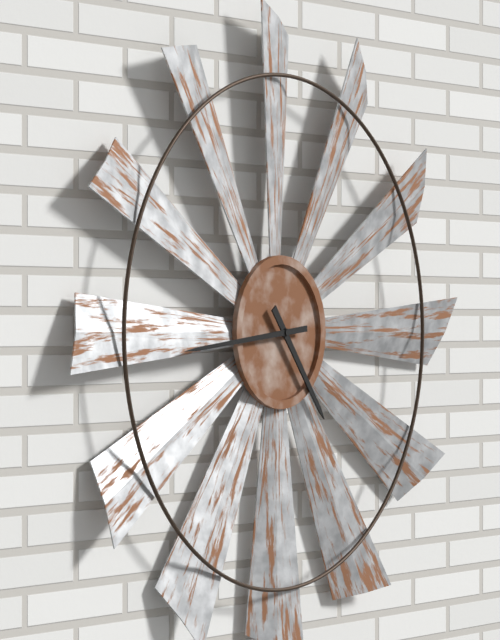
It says 4 h 44 min
